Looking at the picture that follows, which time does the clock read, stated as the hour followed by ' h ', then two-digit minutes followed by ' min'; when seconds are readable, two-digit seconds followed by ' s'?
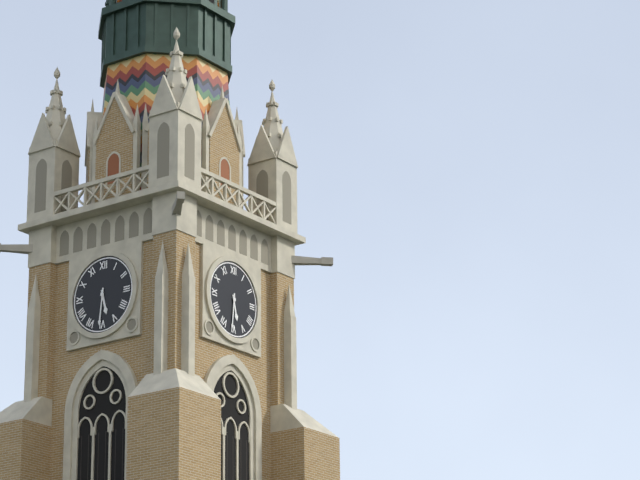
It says 5 h 31 min
